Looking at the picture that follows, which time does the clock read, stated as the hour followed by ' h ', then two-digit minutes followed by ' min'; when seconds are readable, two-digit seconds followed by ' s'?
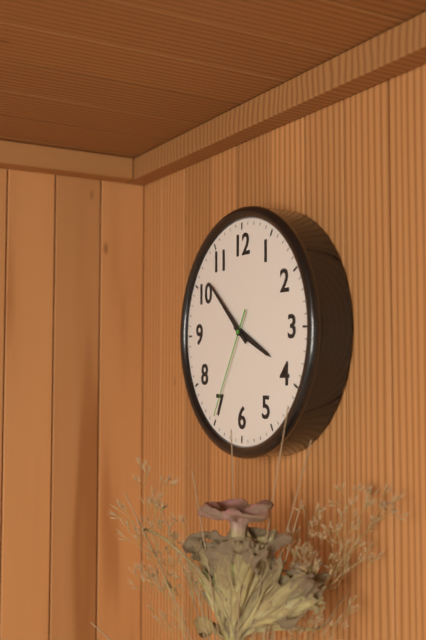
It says 3 h 52 min 35 s
